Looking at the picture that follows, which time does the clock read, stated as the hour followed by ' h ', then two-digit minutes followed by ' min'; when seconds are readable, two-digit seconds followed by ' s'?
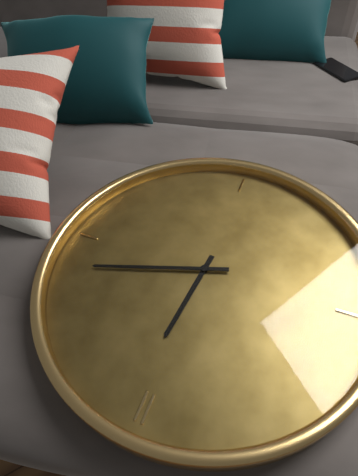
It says 12 h 12 min
